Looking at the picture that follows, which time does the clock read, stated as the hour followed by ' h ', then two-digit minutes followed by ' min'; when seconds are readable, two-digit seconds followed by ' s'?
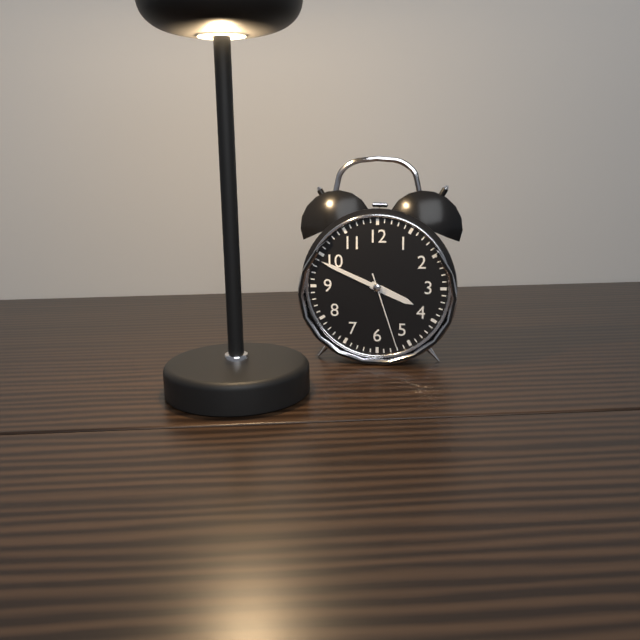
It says 3 h 49 min 27 s
